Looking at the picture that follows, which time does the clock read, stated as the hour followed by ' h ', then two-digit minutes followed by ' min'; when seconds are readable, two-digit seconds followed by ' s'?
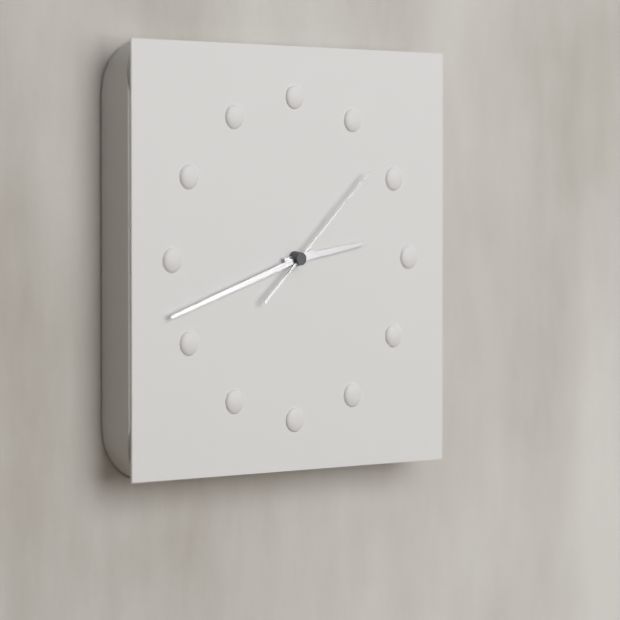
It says 2 h 42 min 08 s
